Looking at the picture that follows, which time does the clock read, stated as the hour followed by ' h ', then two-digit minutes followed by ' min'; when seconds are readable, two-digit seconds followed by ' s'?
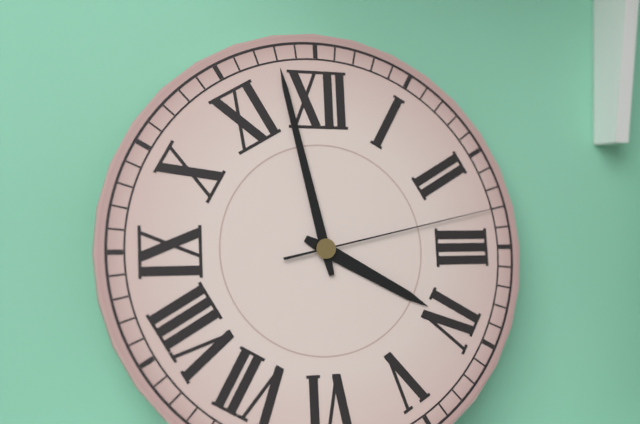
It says 3 h 58 min 13 s
